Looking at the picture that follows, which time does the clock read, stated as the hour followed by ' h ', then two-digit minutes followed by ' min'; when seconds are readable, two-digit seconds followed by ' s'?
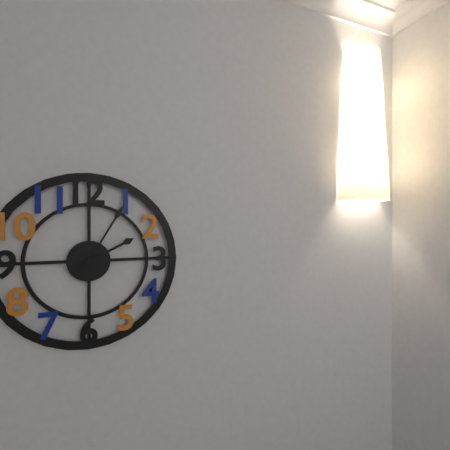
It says 2 h 05 min
